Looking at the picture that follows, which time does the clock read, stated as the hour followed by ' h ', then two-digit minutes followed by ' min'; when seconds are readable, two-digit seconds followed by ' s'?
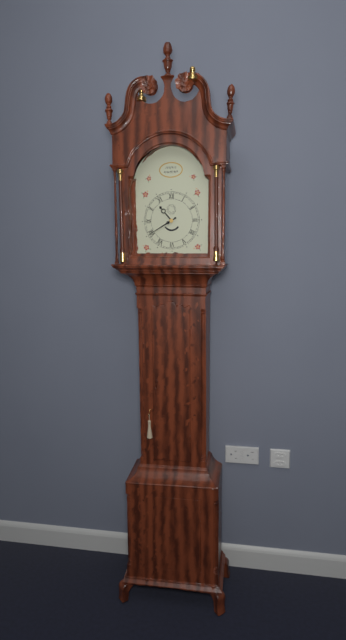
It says 10 h 40 min
